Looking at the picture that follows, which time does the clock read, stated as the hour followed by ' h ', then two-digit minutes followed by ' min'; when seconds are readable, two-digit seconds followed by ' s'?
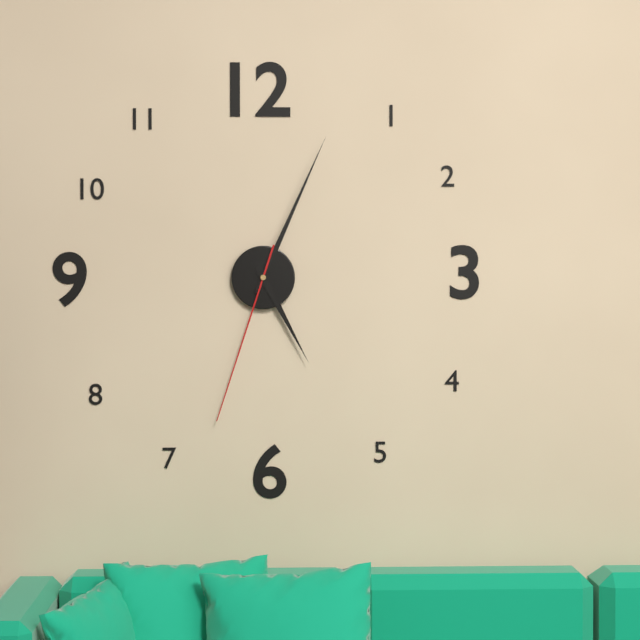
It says 5 h 04 min 33 s
